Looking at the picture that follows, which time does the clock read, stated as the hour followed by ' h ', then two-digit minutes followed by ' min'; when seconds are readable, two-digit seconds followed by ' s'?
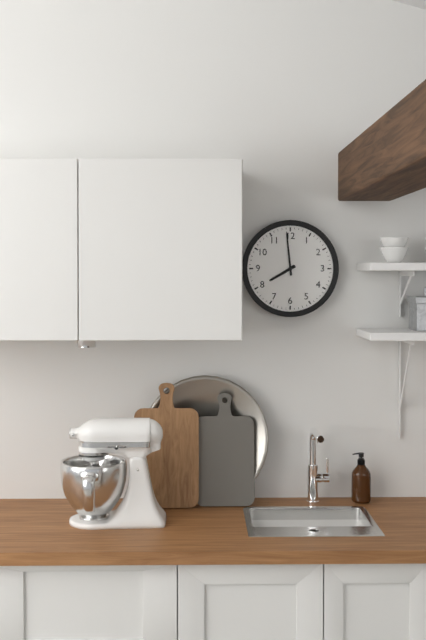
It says 7 h 59 min
